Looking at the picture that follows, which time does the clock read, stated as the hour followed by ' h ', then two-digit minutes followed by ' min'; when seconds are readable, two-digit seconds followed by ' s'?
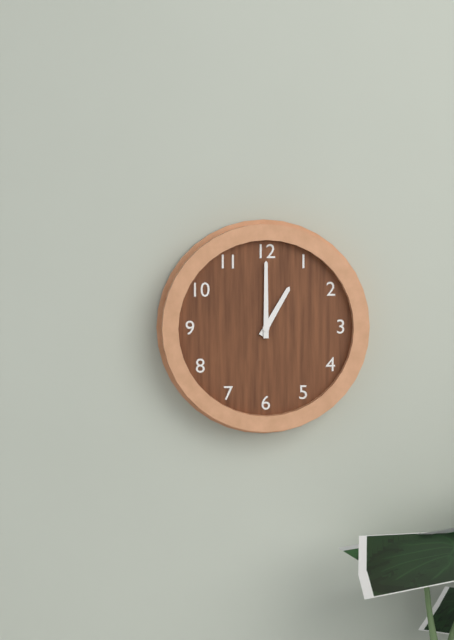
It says 1 h 00 min
